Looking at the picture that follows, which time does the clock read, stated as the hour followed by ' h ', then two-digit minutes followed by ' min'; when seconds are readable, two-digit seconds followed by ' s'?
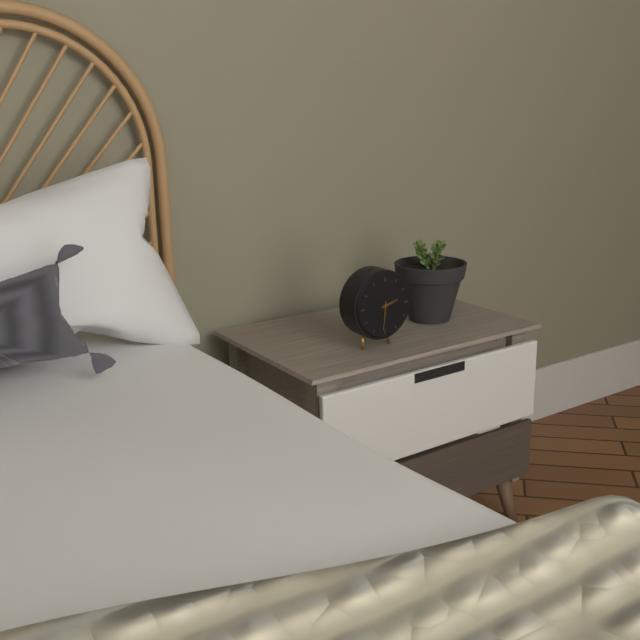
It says 2 h 31 min
